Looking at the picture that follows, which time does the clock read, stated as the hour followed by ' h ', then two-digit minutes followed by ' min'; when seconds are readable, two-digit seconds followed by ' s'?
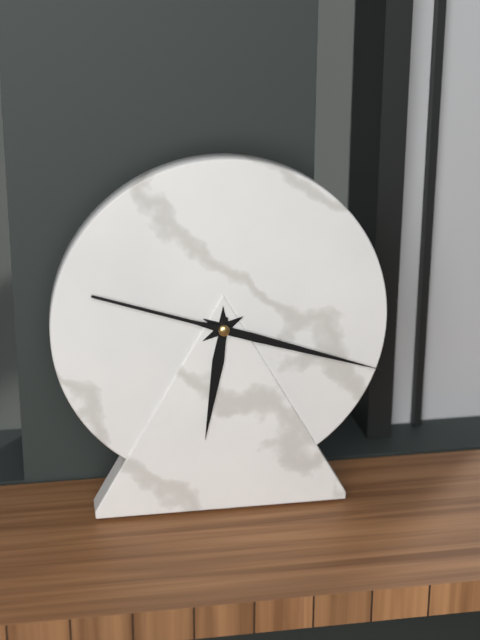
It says 6 h 18 min
